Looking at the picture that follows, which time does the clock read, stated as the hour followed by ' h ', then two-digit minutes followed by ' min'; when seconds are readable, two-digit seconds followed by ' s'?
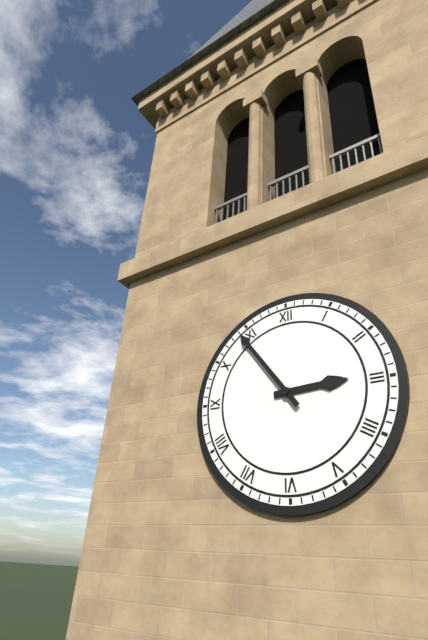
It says 2 h 54 min
